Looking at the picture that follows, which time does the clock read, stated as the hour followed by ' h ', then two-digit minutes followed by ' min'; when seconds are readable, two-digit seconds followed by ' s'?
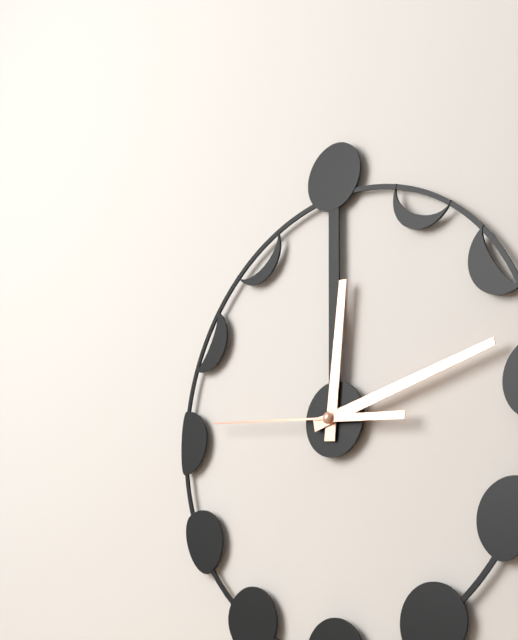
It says 12 h 13 min 46 s
